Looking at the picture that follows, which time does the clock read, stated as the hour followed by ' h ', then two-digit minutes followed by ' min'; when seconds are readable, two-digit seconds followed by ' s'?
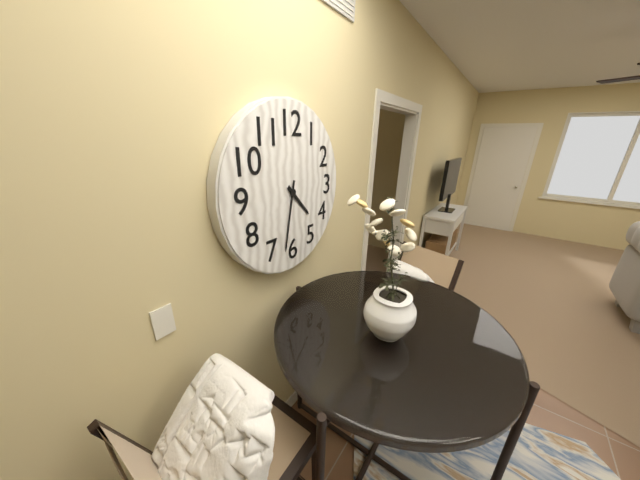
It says 4 h 32 min
